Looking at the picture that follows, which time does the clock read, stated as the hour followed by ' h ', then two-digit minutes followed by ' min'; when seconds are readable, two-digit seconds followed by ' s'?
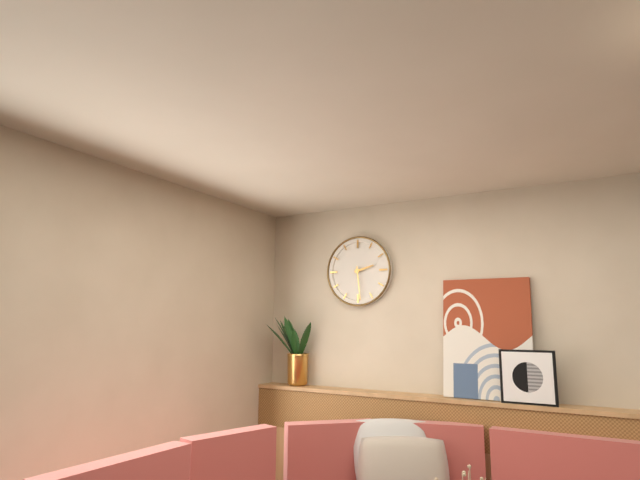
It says 2 h 29 min
